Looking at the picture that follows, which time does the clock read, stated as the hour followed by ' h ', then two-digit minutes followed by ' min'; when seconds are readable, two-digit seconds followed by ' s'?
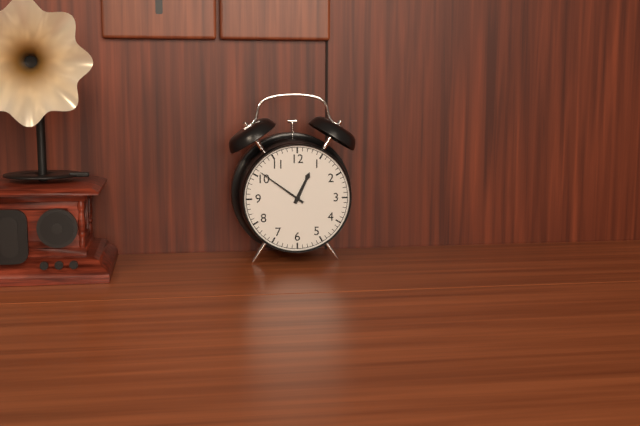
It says 12 h 51 min
